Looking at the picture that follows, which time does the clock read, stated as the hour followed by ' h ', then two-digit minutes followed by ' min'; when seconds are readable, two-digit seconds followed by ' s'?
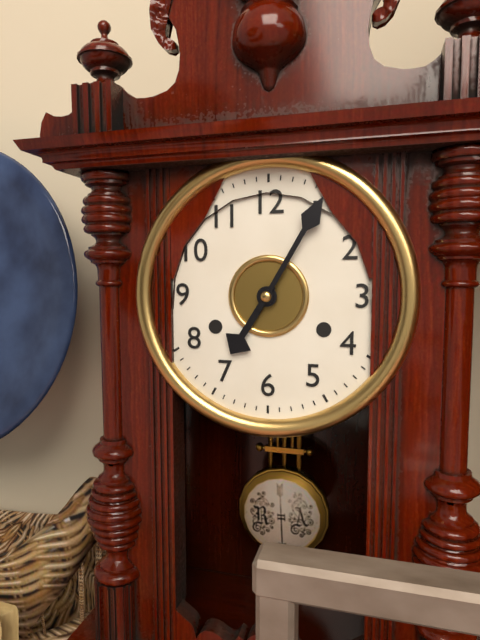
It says 7 h 05 min
